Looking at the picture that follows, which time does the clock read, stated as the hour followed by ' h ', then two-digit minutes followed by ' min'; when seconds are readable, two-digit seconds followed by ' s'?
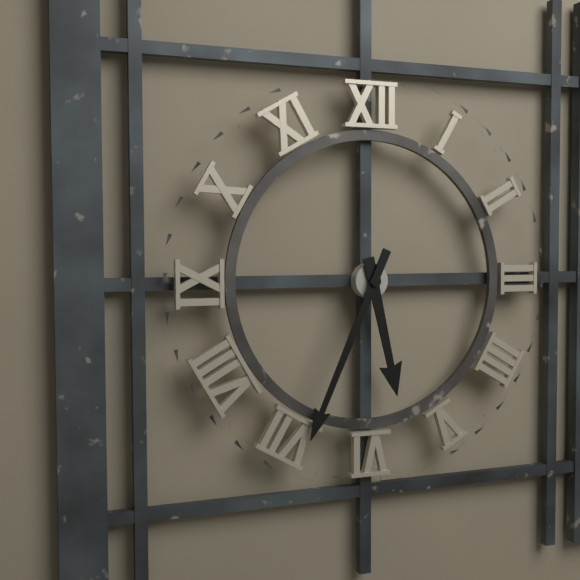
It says 5 h 34 min
